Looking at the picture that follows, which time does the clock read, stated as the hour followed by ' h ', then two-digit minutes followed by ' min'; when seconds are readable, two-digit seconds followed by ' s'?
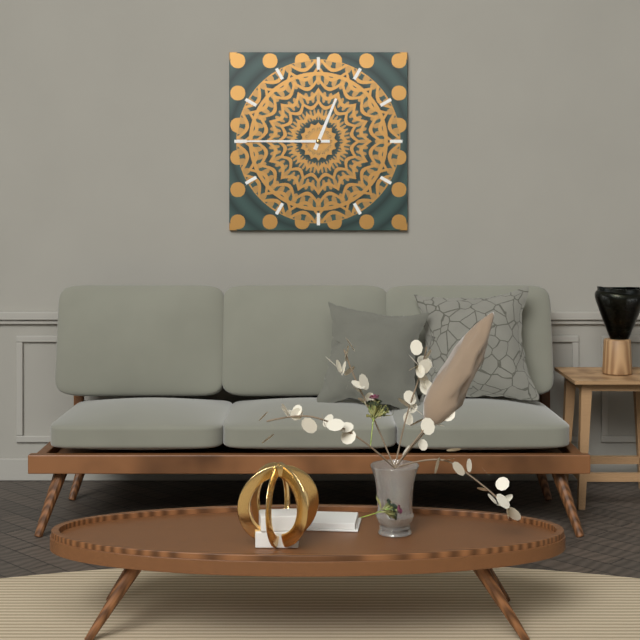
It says 12 h 45 min
